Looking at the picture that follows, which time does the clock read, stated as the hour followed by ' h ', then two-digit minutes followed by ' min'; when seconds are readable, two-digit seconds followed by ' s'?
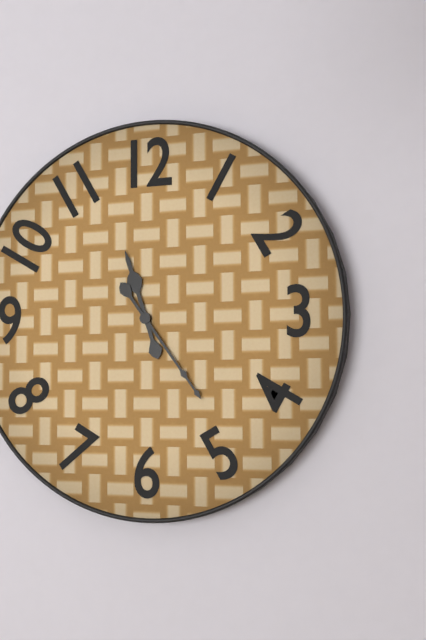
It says 11 h 24 min
